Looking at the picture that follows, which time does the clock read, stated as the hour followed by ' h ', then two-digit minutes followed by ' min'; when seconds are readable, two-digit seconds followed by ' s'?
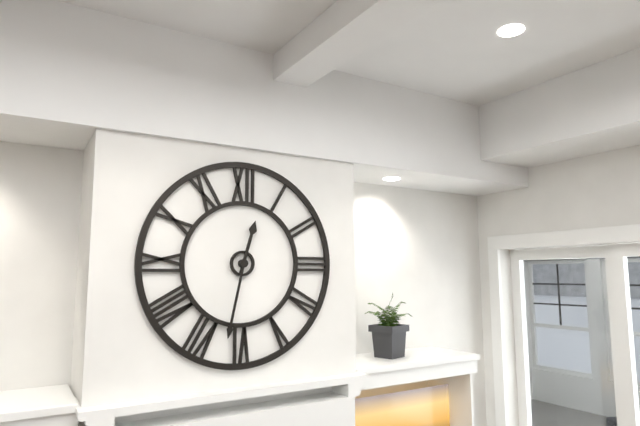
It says 12 h 32 min
